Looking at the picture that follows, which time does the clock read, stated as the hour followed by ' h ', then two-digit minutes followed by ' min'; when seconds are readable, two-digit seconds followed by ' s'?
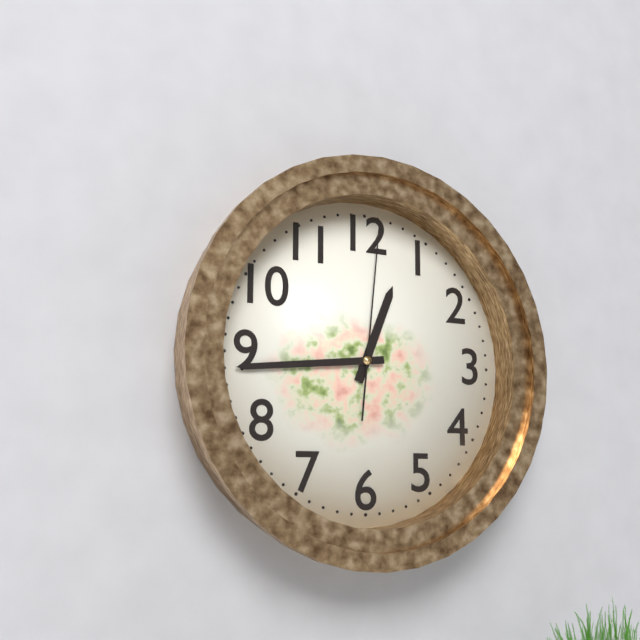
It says 12 h 44 min 01 s
